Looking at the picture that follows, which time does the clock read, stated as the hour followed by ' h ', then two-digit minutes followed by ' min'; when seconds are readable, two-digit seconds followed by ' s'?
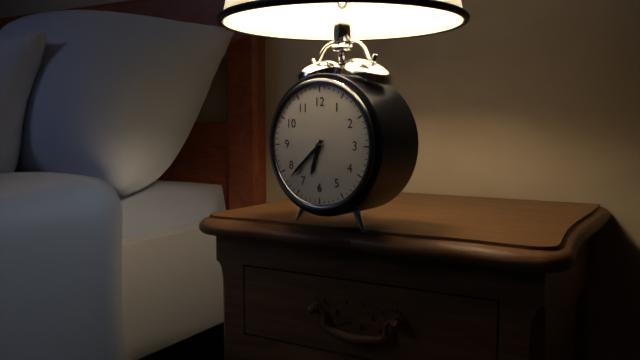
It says 6 h 38 min
